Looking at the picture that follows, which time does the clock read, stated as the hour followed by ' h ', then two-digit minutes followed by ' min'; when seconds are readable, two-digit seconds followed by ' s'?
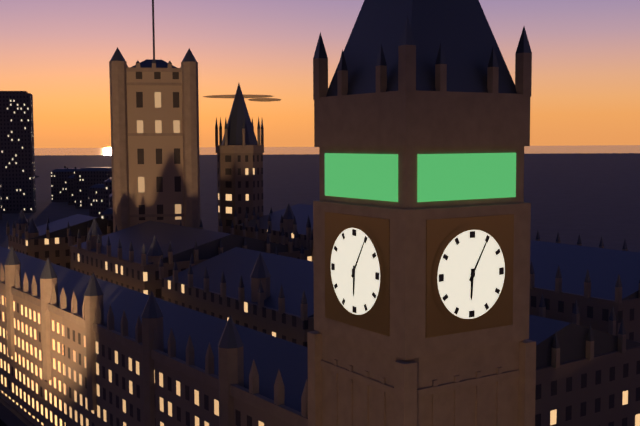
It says 6 h 05 min
